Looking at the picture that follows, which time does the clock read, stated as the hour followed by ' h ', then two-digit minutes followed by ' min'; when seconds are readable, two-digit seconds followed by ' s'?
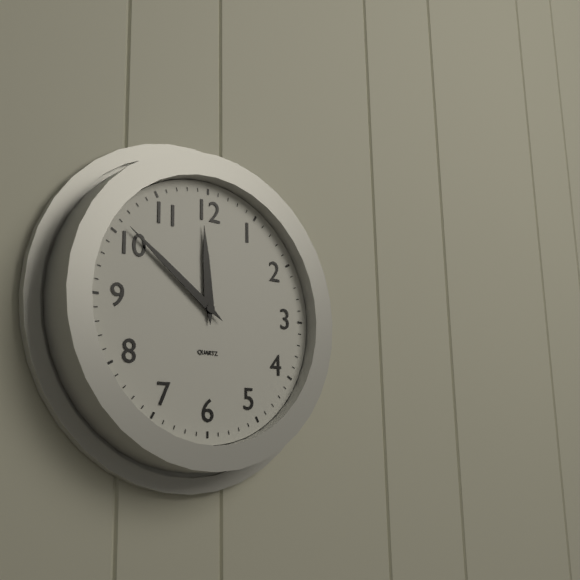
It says 11 h 51 min
